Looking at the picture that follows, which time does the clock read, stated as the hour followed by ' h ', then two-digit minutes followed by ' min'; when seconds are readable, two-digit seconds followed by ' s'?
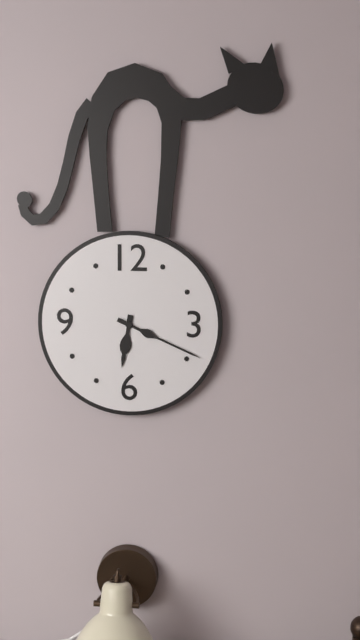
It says 6 h 19 min
